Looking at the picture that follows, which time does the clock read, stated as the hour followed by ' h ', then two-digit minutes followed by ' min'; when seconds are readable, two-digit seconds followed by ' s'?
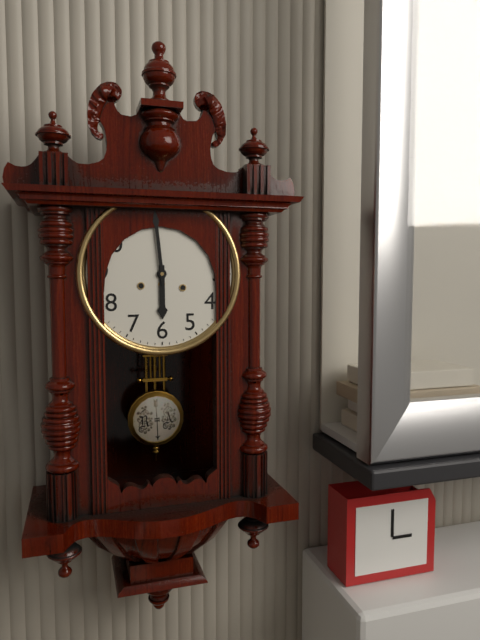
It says 5 h 59 min
